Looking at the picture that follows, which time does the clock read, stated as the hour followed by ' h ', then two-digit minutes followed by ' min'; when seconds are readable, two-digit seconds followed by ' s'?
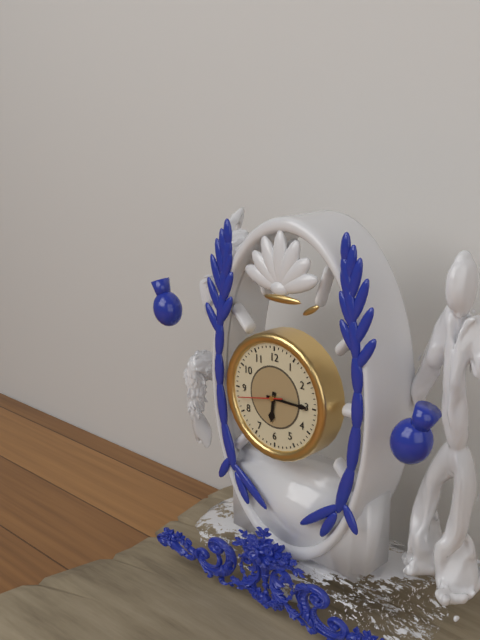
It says 6 h 15 min
